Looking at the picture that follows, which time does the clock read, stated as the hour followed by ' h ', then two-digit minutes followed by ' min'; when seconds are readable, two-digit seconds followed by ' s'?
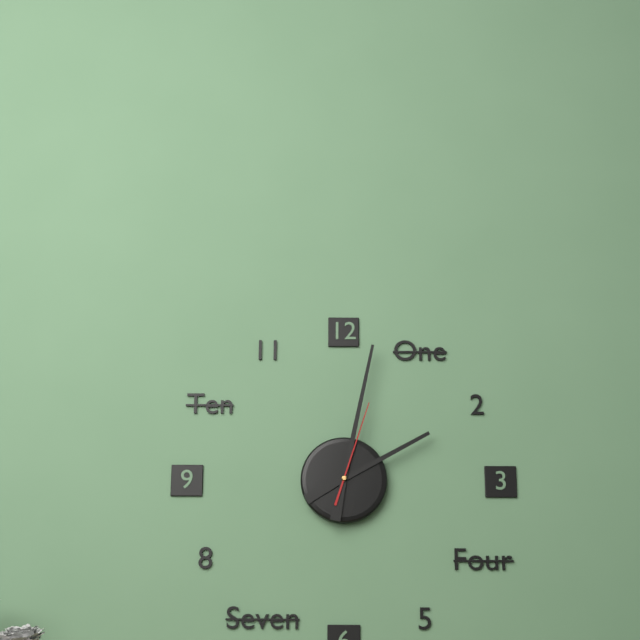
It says 2 h 02 min 03 s
